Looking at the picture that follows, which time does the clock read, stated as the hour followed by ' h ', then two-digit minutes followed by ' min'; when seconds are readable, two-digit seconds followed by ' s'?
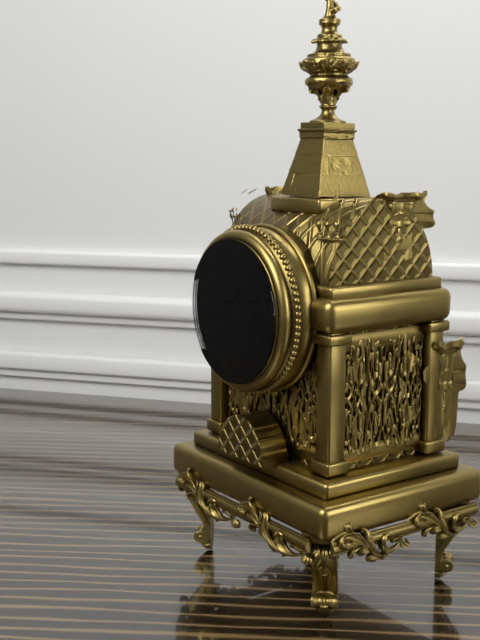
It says 12 h 30 min
